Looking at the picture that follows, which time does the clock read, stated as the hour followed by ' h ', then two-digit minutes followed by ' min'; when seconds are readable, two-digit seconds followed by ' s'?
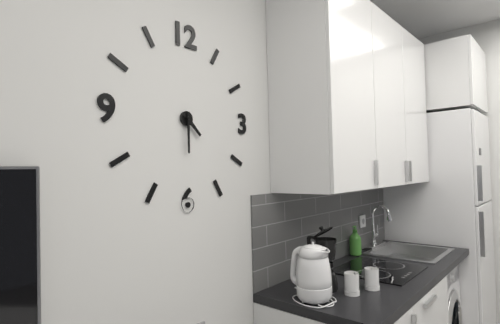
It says 4 h 30 min
